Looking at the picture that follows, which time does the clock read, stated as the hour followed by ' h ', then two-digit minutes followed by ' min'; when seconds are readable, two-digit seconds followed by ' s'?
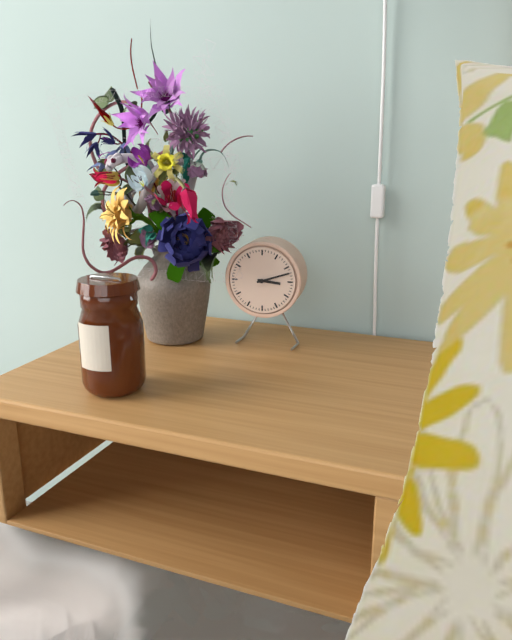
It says 3 h 12 min
